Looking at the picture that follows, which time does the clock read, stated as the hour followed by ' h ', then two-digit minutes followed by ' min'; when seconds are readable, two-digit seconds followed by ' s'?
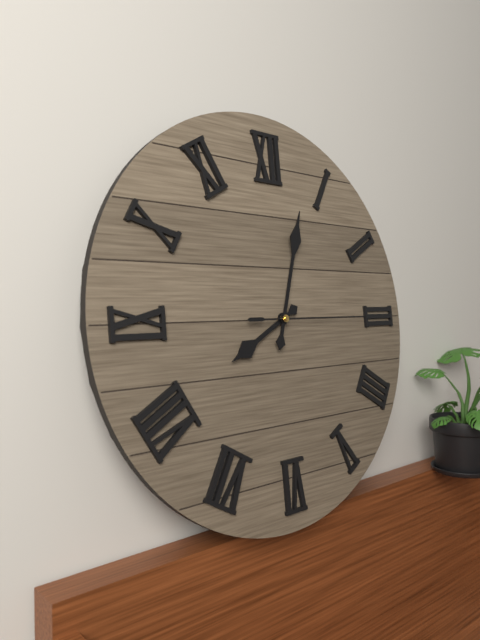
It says 8 h 03 min 15 s
